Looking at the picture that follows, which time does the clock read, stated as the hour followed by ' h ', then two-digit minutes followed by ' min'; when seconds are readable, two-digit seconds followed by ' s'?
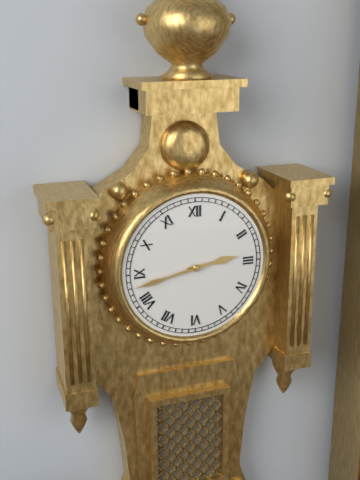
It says 2 h 43 min
